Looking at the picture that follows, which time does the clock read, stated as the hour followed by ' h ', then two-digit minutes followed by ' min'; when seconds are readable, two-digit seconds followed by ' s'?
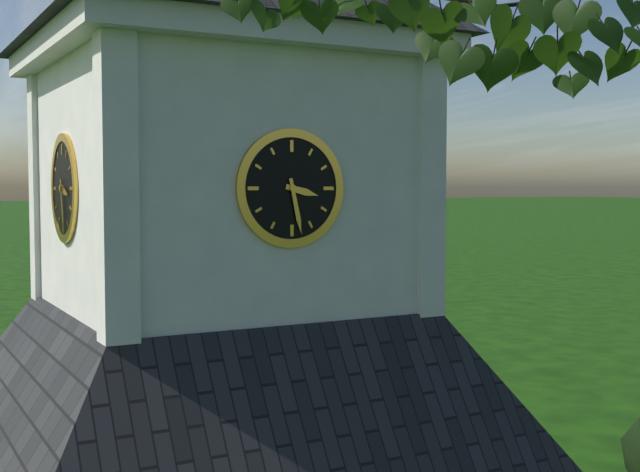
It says 3 h 28 min
